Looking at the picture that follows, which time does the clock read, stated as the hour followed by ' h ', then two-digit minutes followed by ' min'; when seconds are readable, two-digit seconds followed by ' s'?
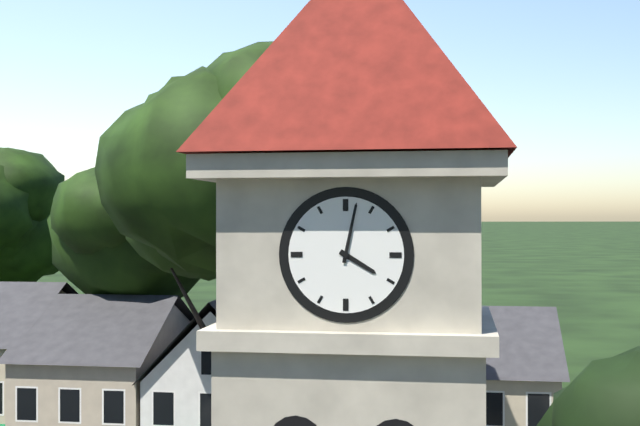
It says 4 h 02 min
